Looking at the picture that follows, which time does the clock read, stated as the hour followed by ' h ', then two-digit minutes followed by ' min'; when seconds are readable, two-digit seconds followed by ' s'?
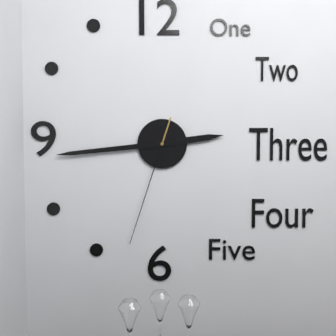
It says 2 h 44 min 33 s
